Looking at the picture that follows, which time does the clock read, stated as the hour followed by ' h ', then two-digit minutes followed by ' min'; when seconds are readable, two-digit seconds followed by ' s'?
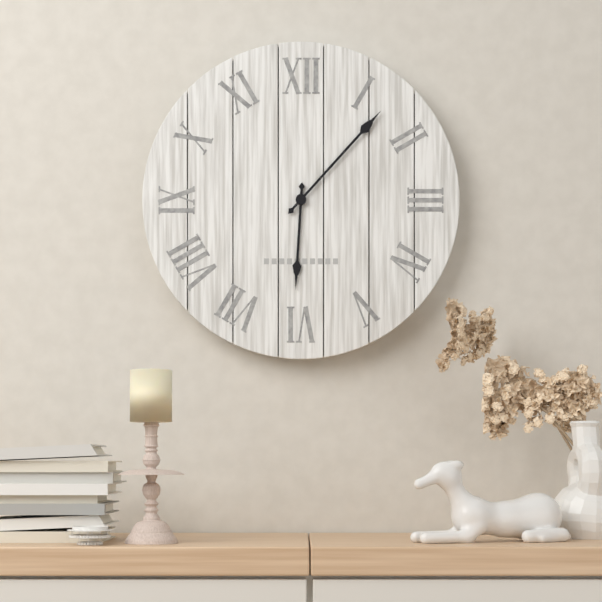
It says 6 h 07 min
